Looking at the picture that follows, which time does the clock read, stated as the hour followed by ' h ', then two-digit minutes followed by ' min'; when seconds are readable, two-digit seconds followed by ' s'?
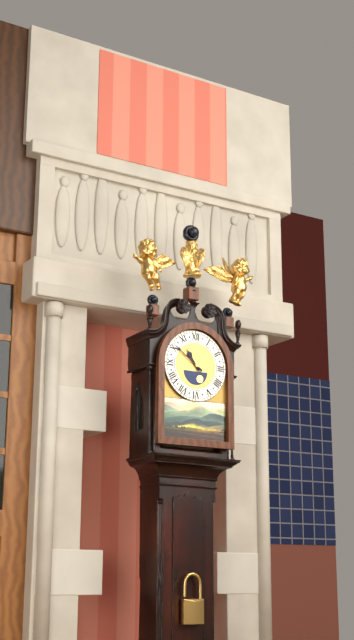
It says 10 h 51 min
